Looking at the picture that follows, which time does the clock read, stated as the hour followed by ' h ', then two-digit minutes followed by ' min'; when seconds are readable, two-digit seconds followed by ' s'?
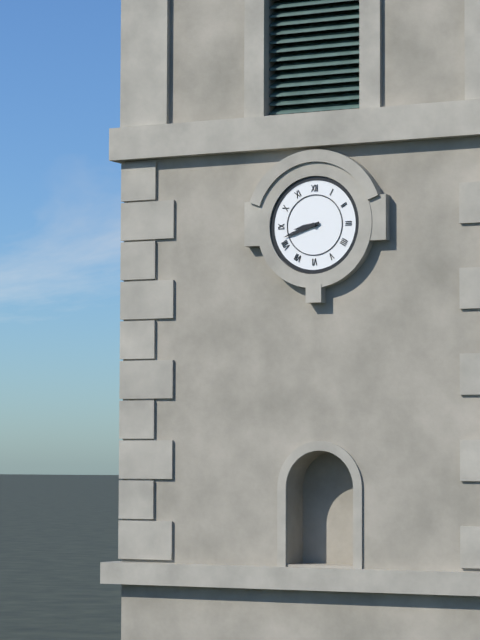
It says 8 h 42 min
